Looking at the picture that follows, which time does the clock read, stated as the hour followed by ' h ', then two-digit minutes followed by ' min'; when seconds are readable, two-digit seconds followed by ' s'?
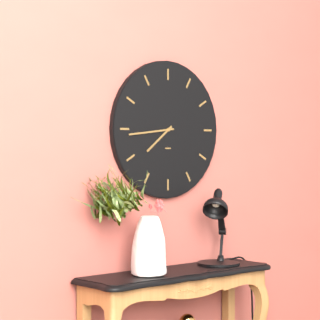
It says 7 h 44 min
